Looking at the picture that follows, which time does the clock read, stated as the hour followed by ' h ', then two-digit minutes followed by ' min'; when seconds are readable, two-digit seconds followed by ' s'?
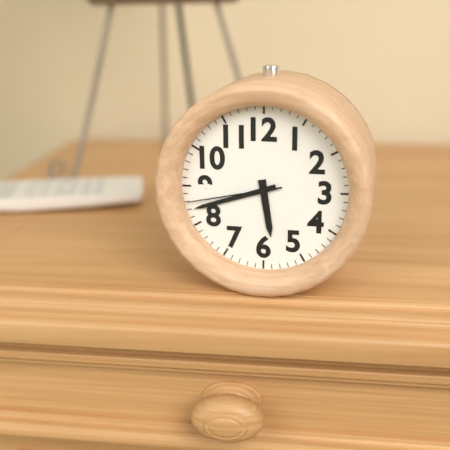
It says 5 h 42 min 43 s
